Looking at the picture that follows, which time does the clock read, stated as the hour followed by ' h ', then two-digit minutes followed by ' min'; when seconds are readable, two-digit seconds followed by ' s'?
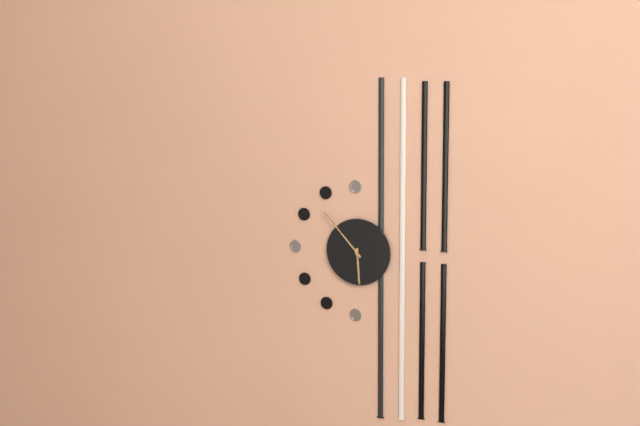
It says 5 h 53 min
